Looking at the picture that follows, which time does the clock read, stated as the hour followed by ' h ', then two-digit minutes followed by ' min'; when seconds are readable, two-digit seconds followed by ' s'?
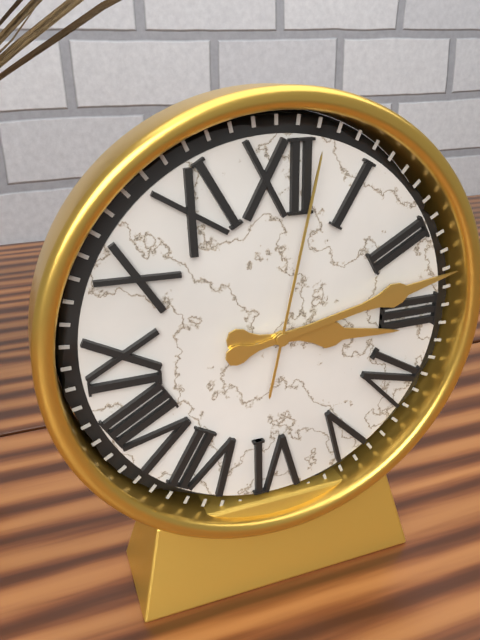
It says 3 h 13 min 02 s
